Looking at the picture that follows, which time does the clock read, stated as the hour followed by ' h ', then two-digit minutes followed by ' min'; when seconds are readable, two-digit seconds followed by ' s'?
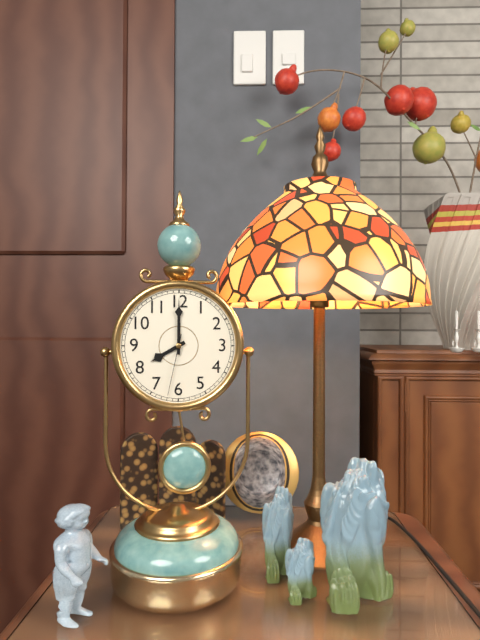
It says 8 h 00 min 32 s
